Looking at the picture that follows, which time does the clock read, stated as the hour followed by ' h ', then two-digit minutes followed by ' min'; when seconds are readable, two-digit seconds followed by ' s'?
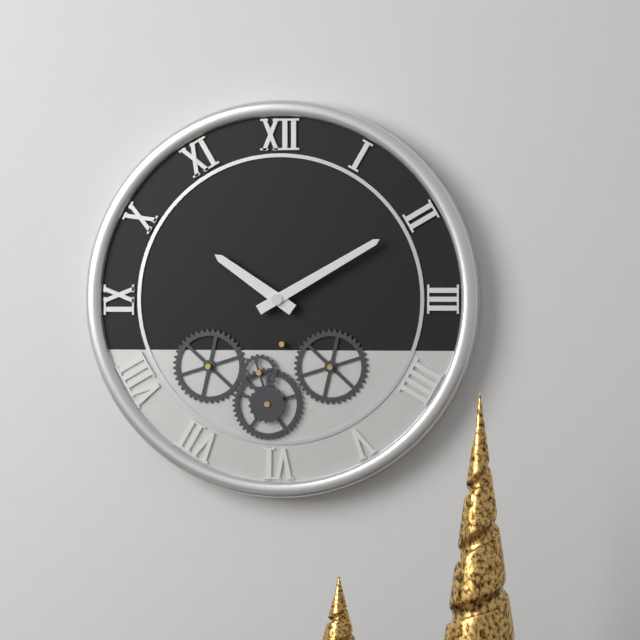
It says 10 h 10 min
